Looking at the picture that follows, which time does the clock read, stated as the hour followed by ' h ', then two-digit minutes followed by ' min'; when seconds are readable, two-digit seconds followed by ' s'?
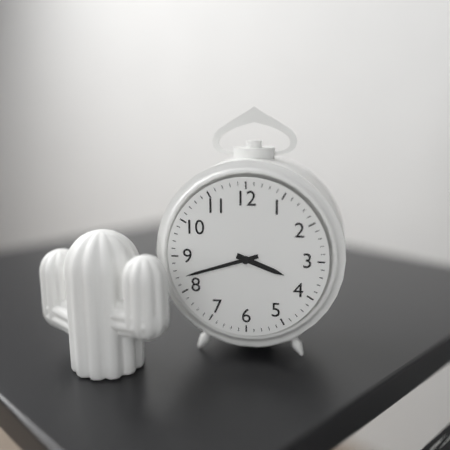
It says 3 h 42 min
